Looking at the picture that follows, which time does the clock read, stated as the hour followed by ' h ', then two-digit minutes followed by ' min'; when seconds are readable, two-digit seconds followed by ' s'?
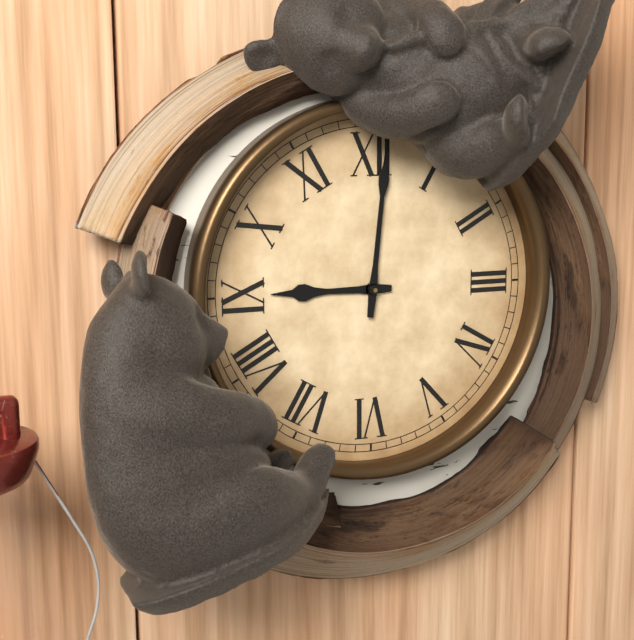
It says 9 h 01 min
